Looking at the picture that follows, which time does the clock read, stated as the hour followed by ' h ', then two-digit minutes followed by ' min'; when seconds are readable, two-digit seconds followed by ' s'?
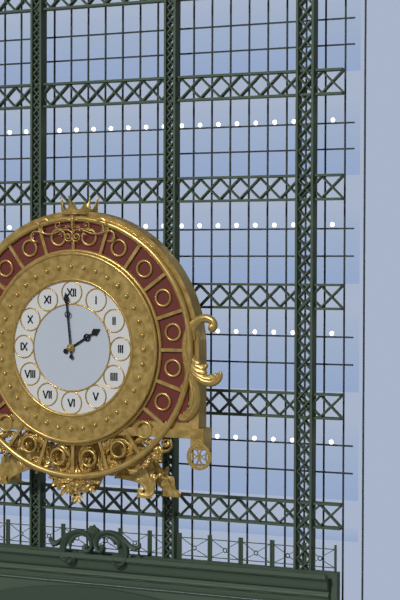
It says 1 h 59 min
